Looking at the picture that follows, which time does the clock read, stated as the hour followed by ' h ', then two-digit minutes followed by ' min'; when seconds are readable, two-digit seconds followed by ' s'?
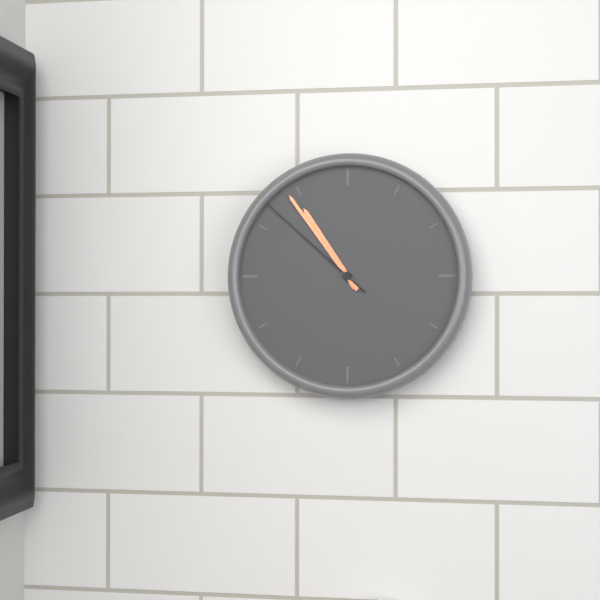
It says 10 h 54 min 52 s
